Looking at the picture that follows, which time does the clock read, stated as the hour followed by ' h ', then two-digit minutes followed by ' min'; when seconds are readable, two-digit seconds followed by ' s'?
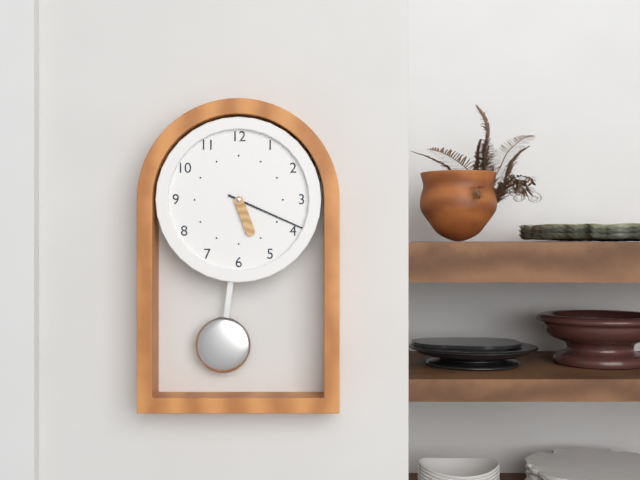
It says 5 h 19 min
